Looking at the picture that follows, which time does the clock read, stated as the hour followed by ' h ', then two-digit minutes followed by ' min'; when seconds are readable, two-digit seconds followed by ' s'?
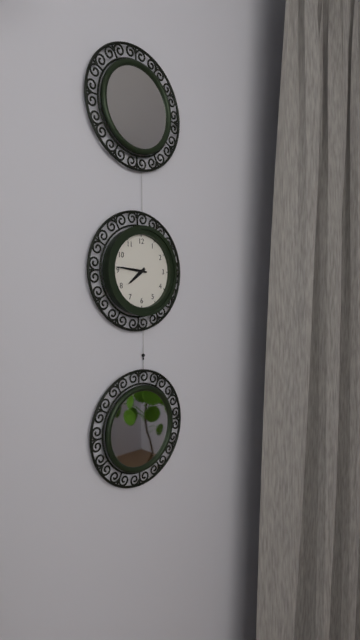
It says 7 h 46 min
